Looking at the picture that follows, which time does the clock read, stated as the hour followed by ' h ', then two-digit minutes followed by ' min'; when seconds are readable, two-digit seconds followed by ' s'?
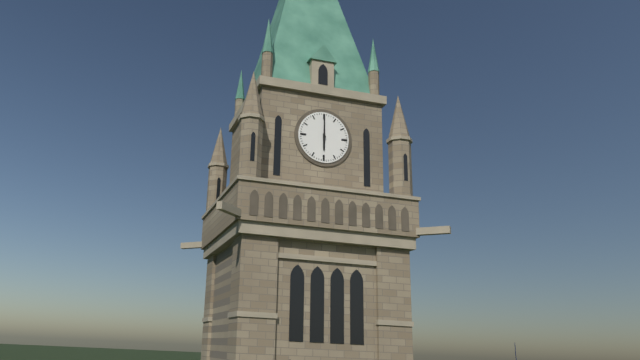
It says 6 h 00 min
